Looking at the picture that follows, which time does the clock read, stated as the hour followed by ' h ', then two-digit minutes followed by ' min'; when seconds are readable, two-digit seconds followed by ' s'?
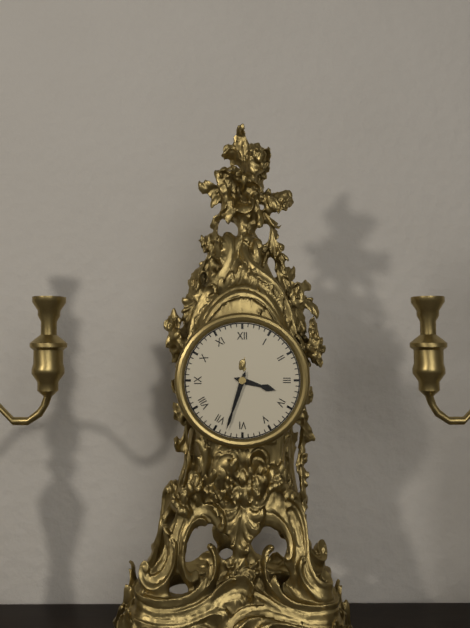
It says 3 h 33 min
